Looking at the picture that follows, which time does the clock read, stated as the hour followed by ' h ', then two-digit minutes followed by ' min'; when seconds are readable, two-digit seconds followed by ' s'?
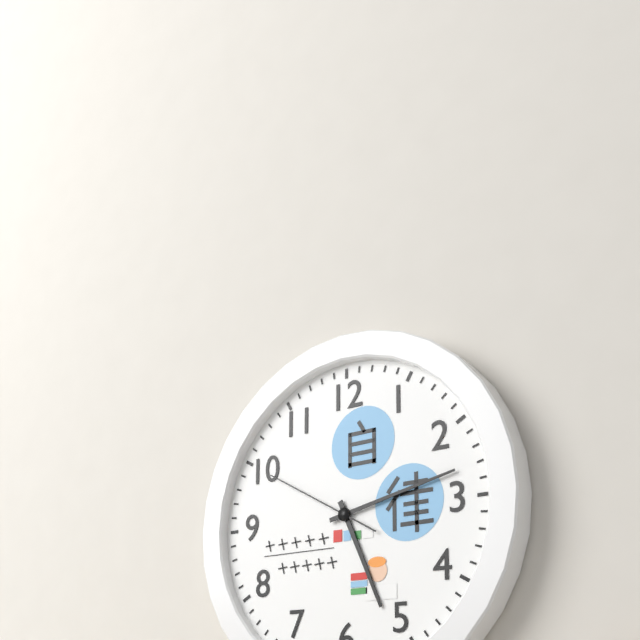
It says 5 h 13 min 50 s
